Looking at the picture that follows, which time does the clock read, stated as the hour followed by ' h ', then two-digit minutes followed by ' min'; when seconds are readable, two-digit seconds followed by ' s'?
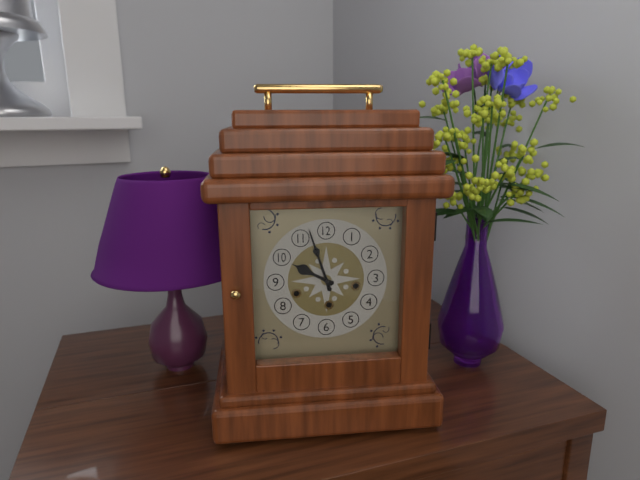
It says 9 h 57 min
